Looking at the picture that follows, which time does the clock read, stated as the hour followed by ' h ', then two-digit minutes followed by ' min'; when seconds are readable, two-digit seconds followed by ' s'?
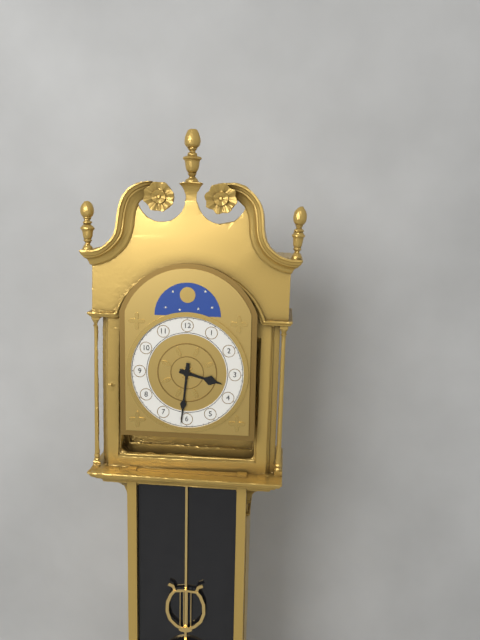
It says 3 h 31 min
